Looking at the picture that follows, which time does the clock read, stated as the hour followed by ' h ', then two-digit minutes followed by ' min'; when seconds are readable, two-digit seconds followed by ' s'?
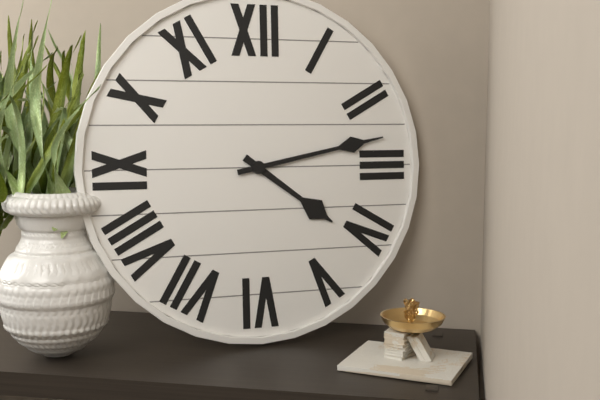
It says 4 h 13 min
